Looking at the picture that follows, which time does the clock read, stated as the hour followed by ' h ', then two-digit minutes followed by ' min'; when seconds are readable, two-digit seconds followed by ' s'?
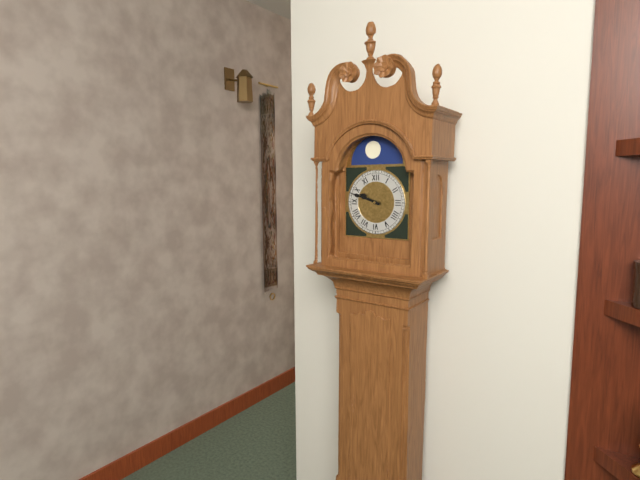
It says 9 h 48 min
